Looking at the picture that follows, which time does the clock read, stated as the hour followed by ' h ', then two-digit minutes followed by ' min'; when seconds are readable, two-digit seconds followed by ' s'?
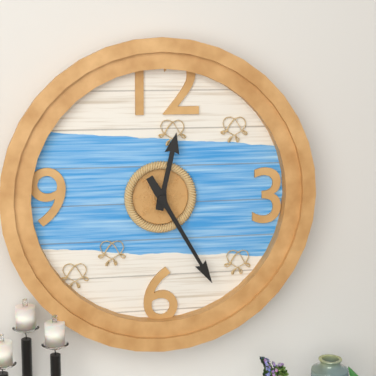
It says 12 h 25 min
